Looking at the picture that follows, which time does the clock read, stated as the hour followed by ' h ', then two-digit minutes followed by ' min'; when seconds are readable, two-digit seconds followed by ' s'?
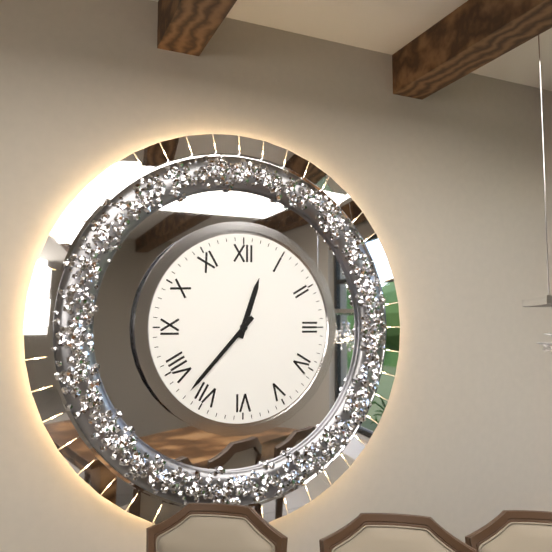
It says 12 h 37 min
